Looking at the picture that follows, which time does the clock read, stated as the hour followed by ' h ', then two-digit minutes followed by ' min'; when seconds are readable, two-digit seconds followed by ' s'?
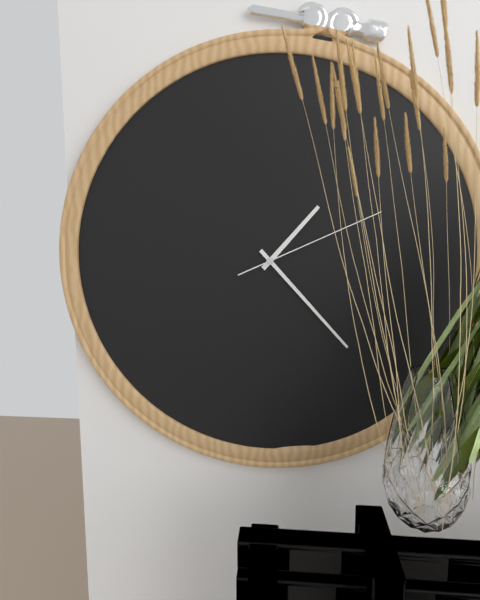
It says 1 h 23 min 11 s
